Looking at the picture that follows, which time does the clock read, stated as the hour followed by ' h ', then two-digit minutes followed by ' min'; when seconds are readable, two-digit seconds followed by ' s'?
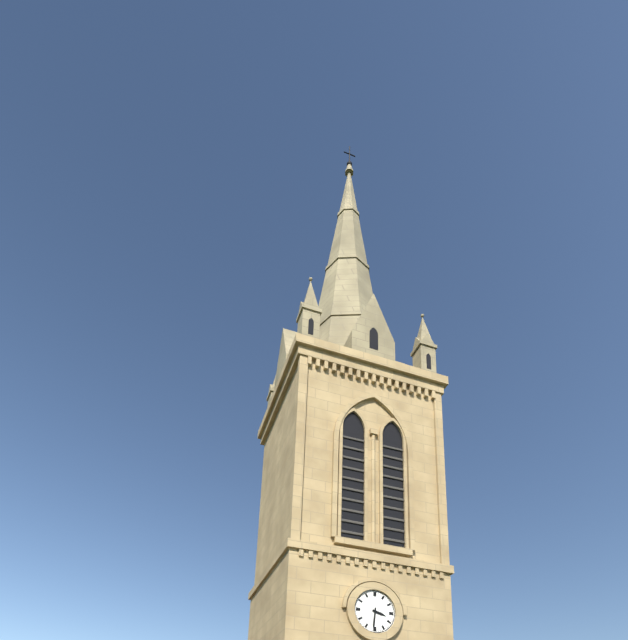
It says 3 h 31 min
